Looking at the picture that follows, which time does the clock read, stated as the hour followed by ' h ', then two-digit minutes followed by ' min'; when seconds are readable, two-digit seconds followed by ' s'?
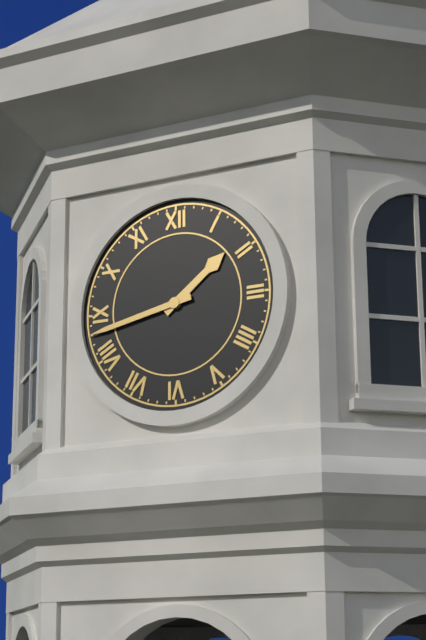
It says 1 h 43 min
